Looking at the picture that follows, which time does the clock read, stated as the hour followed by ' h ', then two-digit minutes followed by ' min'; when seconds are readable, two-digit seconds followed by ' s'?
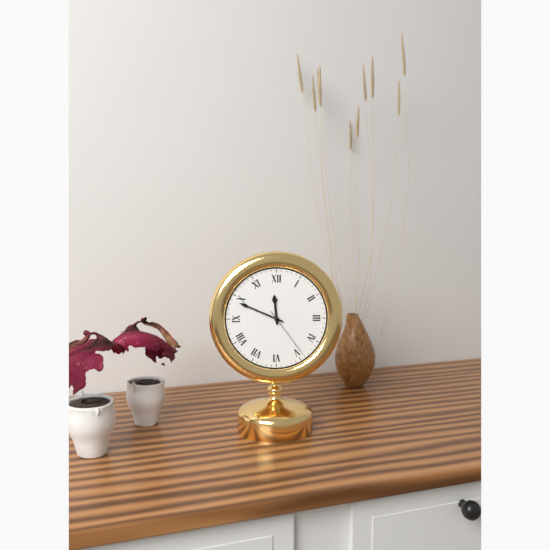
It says 11 h 49 min 24 s
